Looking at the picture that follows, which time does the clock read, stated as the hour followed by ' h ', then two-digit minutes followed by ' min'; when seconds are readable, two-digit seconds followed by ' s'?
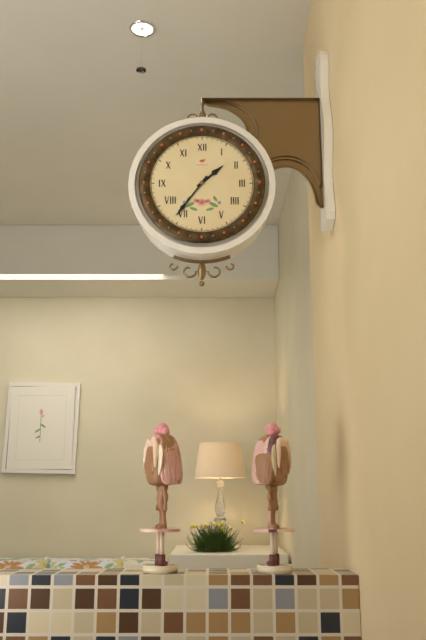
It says 1 h 36 min
